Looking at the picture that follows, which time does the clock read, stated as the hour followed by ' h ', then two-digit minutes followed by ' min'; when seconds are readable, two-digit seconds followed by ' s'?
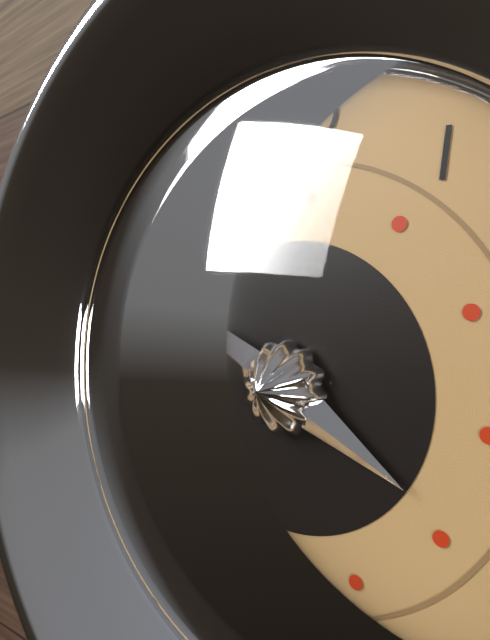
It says 3 h 49 min
